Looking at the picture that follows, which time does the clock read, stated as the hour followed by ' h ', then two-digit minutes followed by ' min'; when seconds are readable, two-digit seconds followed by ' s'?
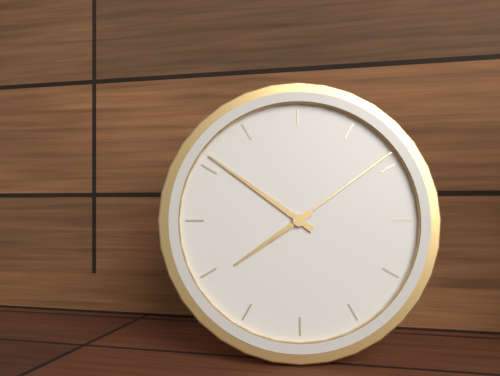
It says 7 h 51 min 09 s
